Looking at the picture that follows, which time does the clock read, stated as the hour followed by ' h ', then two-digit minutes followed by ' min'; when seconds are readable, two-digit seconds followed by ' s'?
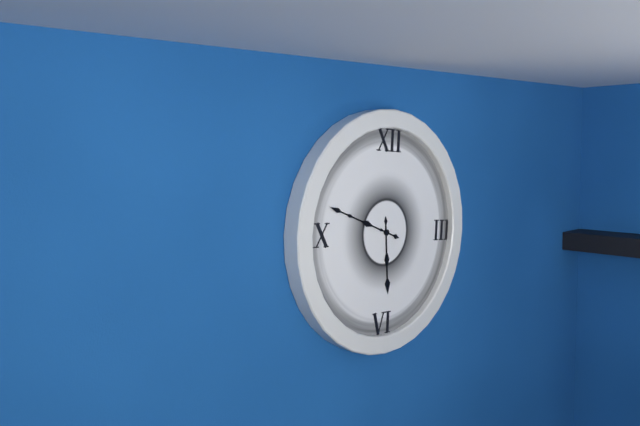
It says 5 h 48 min
